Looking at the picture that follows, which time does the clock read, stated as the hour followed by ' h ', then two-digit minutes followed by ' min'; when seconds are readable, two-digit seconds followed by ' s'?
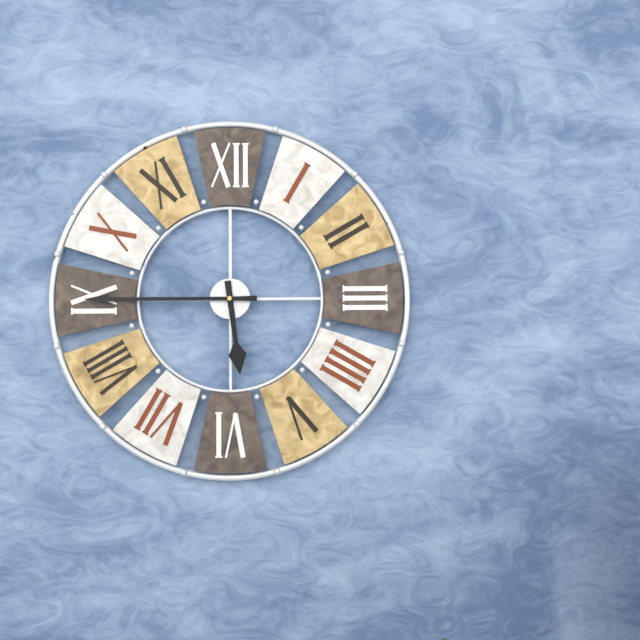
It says 5 h 45 min
